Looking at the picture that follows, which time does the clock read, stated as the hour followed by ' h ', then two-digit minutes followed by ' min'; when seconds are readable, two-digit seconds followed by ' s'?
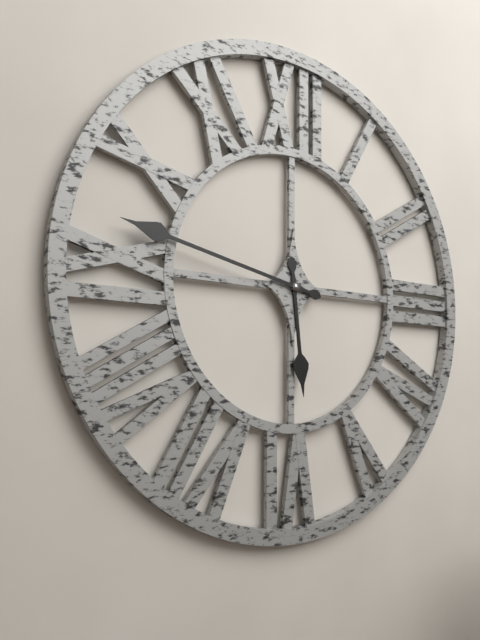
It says 5 h 47 min
